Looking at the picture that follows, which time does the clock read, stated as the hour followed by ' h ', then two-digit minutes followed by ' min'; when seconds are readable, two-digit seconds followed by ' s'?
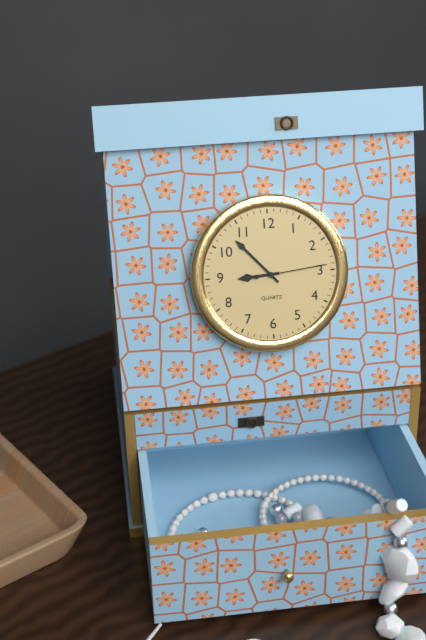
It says 8 h 53 min 14 s
